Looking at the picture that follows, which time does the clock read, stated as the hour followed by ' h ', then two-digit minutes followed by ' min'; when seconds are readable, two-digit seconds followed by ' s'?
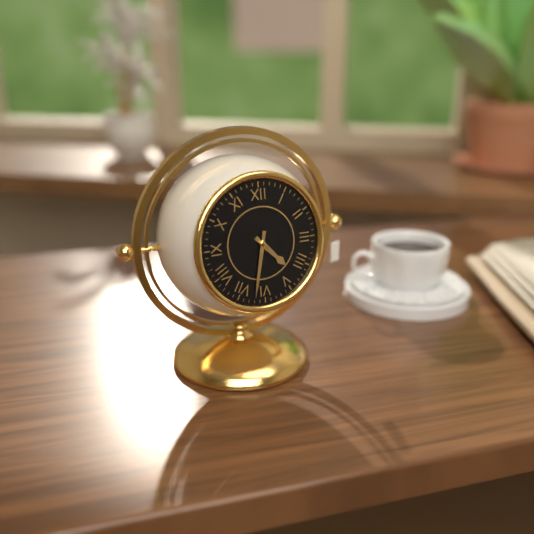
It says 4 h 32 min
